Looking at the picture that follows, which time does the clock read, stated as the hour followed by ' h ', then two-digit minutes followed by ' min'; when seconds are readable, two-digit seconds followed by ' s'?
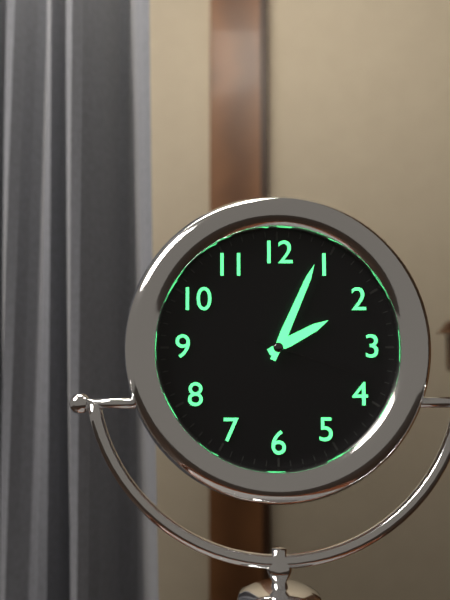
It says 2 h 04 min 18 s
